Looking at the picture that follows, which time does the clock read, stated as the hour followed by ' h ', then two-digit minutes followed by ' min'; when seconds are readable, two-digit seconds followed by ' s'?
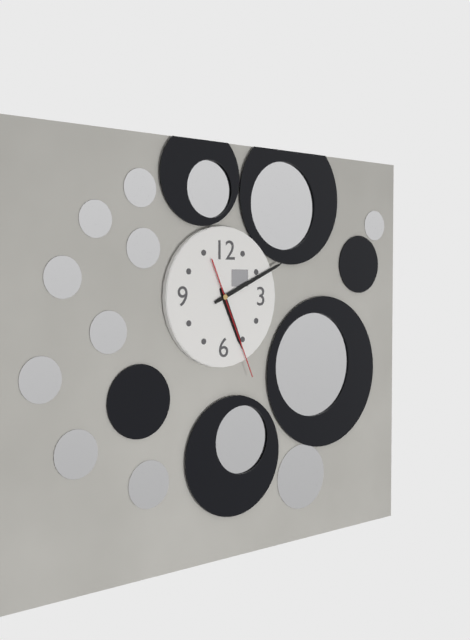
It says 5 h 11 min 26 s
